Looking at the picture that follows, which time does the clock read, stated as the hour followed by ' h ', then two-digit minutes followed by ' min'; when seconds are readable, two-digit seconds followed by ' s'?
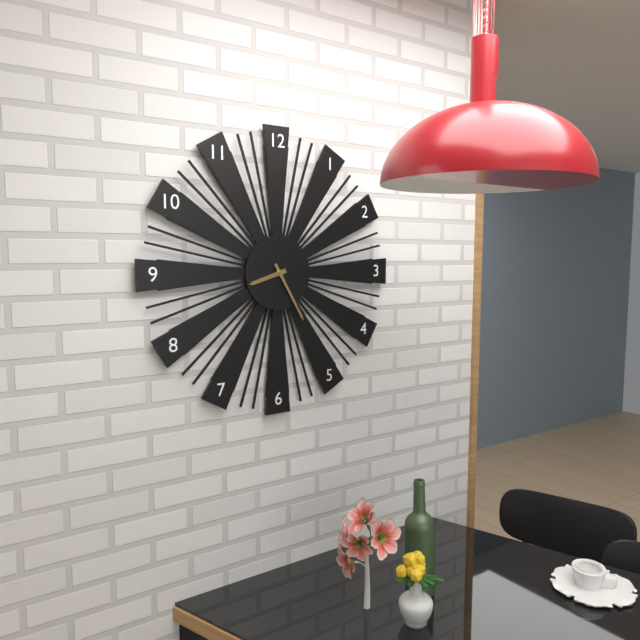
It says 8 h 25 min
